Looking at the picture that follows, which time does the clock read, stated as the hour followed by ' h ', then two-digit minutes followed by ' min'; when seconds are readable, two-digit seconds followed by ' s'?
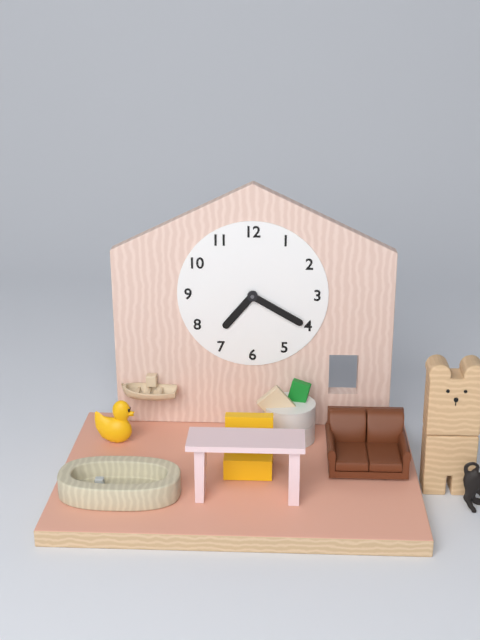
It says 7 h 20 min
